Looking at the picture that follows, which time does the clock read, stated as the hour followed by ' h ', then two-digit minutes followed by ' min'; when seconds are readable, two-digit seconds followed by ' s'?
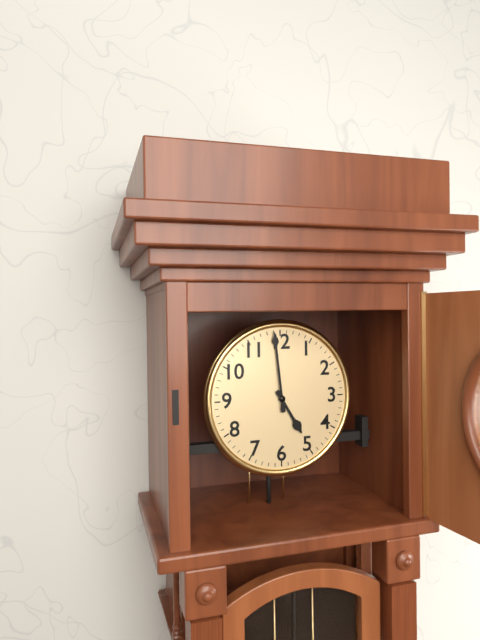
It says 4 h 59 min
